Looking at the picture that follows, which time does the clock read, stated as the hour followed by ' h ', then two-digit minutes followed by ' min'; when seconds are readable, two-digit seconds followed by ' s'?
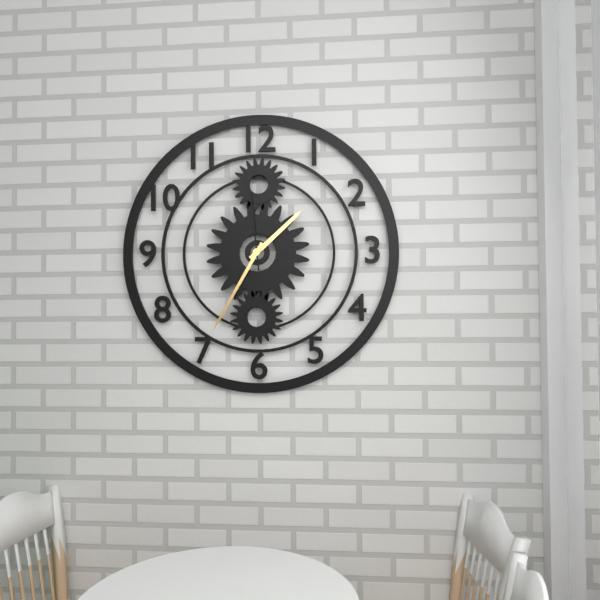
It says 1 h 35 min 59 s
